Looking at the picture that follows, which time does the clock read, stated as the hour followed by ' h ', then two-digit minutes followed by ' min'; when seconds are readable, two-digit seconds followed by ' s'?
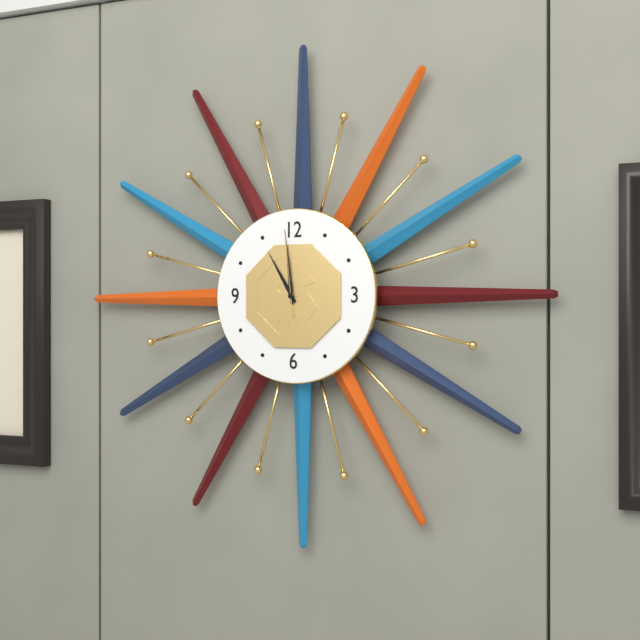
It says 10 h 59 min 59 s
